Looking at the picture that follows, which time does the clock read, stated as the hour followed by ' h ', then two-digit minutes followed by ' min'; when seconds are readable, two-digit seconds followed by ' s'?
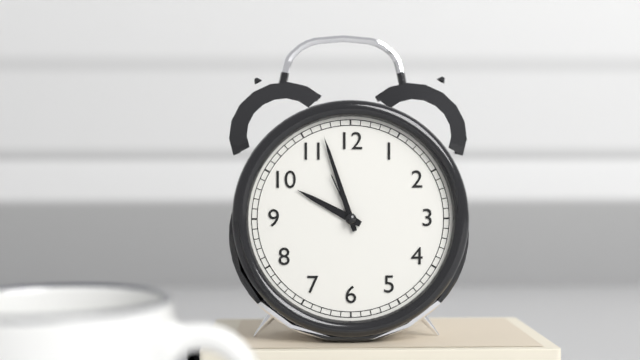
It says 9 h 57 min 56 s
